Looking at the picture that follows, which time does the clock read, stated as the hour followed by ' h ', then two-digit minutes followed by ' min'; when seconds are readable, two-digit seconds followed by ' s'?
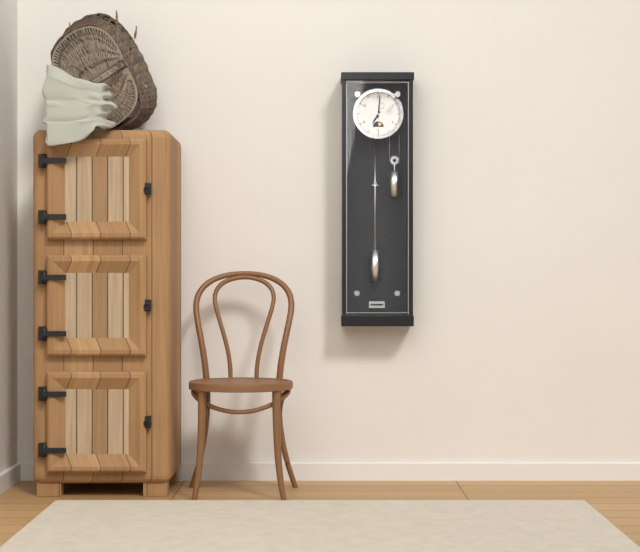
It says 7 h 01 min
